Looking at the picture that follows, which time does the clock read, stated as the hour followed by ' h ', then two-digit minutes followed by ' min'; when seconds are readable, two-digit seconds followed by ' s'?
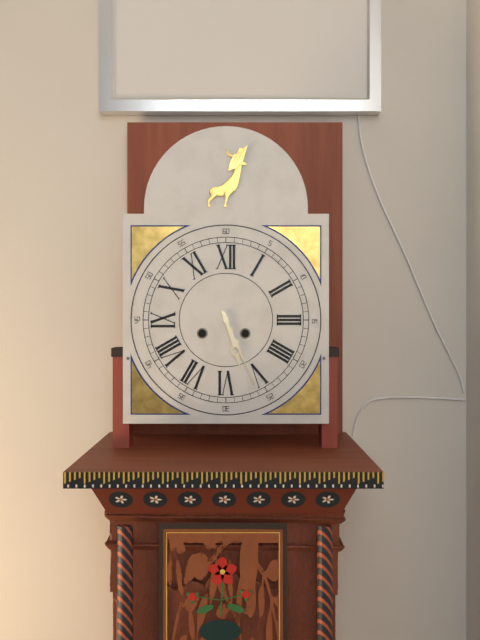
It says 5 h 26 min
